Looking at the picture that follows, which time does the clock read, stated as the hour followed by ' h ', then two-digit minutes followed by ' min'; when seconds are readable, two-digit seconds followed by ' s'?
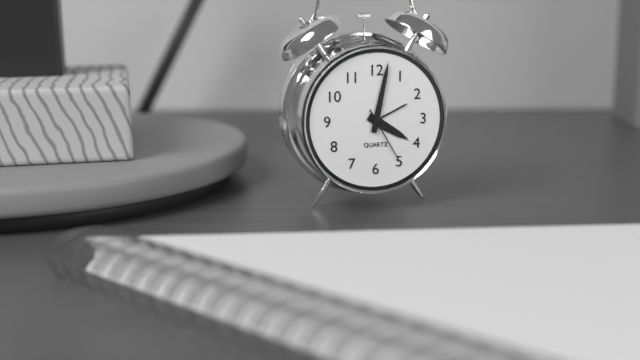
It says 4 h 02 min 25 s
